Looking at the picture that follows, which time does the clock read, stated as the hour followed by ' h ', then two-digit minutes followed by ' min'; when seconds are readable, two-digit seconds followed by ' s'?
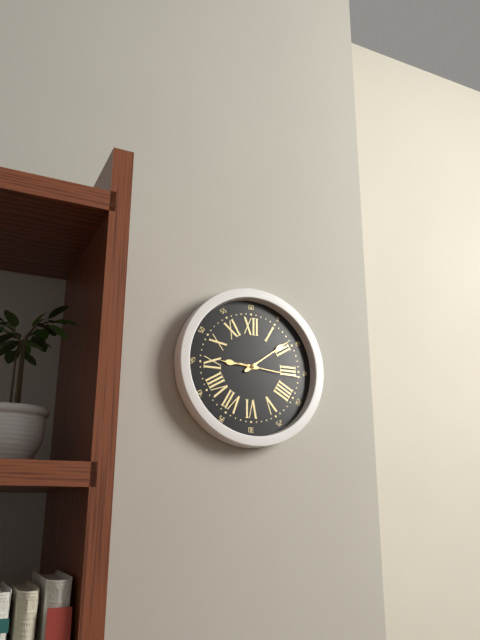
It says 9 h 09 min 16 s
